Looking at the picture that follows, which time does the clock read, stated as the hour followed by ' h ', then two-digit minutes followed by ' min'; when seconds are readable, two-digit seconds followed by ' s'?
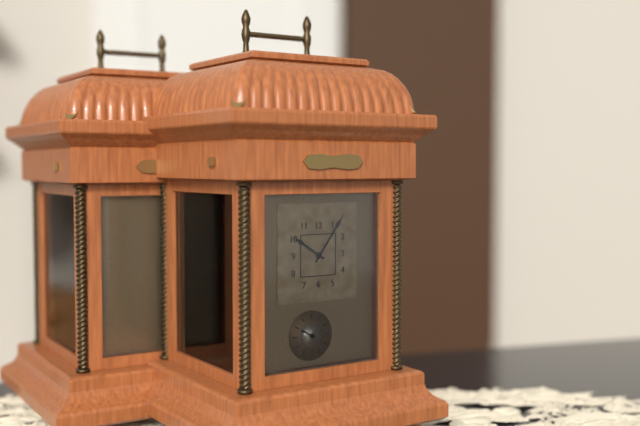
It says 10 h 06 min
